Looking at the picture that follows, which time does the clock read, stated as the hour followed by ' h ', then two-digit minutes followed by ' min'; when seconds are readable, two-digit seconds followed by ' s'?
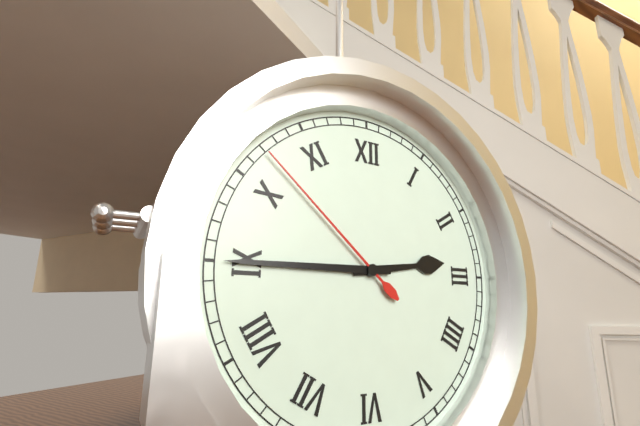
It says 2 h 45 min 52 s
